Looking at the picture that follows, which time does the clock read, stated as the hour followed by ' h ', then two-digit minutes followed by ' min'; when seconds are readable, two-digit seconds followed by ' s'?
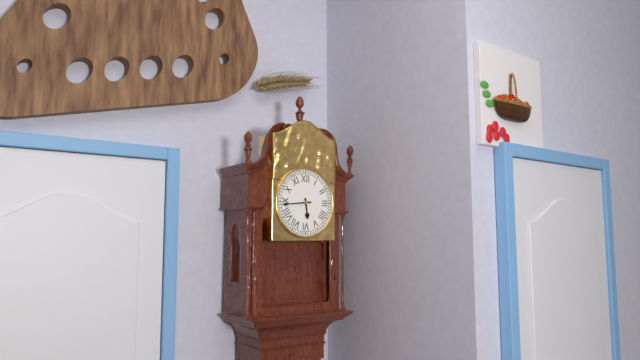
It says 5 h 44 min
